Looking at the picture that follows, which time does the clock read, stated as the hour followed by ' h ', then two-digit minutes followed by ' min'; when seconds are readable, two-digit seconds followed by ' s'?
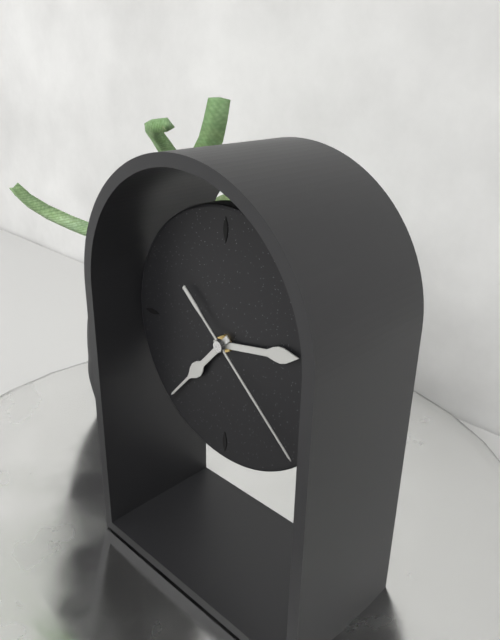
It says 2 h 37 min 22 s
